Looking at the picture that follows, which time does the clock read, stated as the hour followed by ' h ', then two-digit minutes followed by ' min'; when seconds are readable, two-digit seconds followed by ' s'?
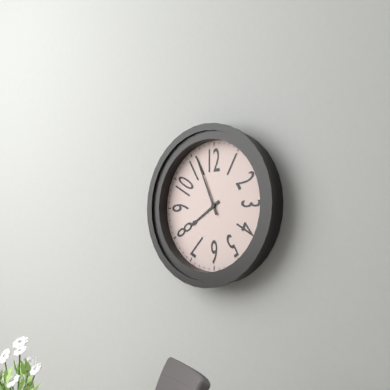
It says 7 h 56 min
